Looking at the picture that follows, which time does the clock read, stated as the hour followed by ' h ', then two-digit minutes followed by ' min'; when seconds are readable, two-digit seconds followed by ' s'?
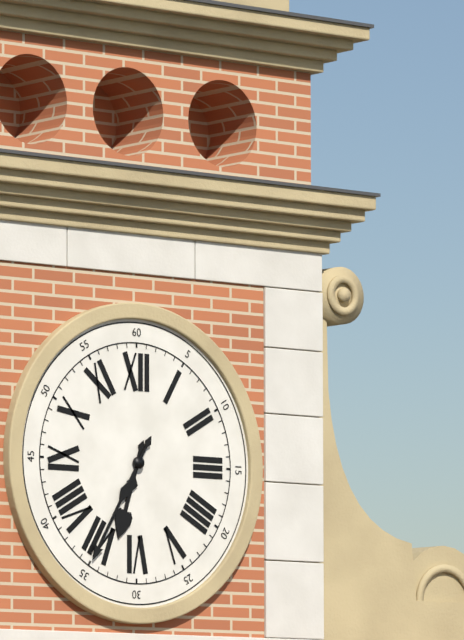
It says 6 h 35 min
